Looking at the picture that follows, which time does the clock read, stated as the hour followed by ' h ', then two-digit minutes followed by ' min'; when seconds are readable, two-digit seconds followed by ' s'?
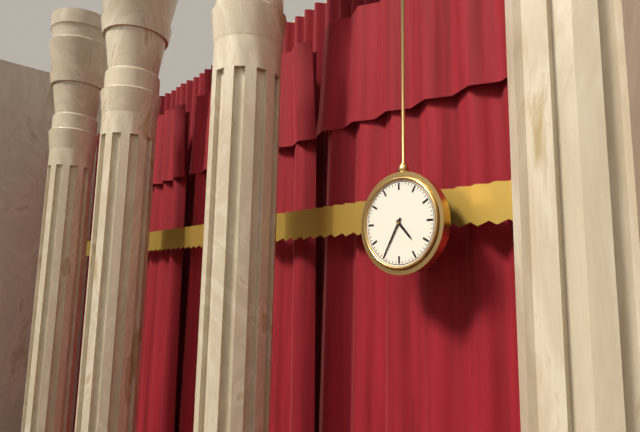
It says 4 h 35 min
